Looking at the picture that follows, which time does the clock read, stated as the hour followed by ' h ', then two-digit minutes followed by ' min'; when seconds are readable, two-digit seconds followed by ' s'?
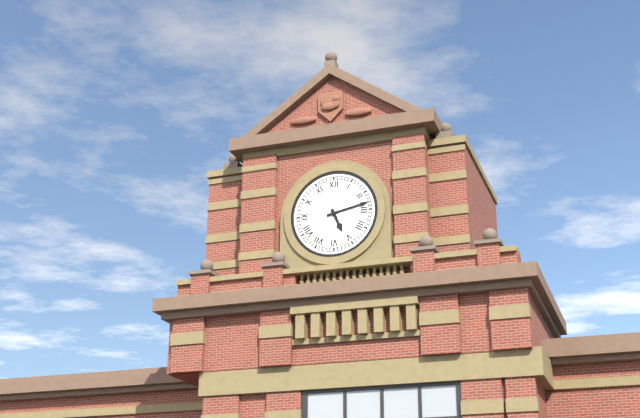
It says 5 h 13 min
